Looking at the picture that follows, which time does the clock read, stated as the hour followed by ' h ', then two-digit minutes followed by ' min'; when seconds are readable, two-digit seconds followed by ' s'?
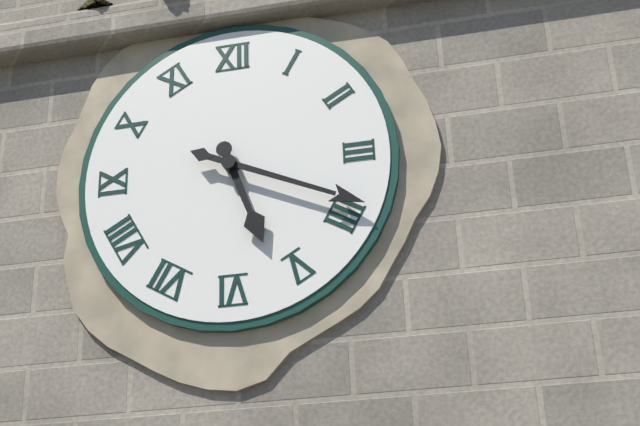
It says 5 h 19 min
